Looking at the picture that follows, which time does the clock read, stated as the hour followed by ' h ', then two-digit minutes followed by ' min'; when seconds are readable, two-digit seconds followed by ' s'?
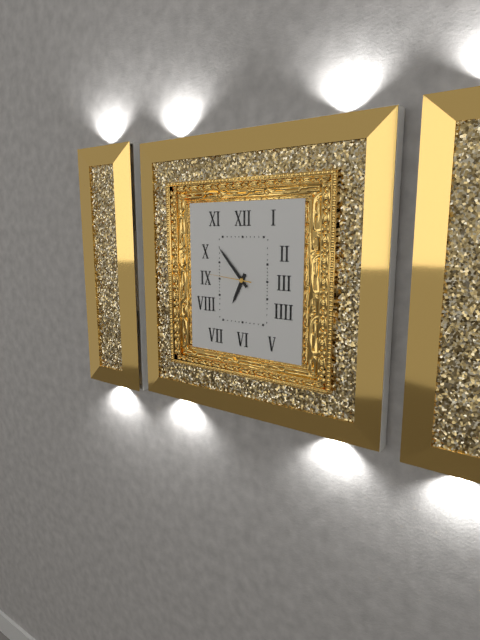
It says 6 h 53 min
